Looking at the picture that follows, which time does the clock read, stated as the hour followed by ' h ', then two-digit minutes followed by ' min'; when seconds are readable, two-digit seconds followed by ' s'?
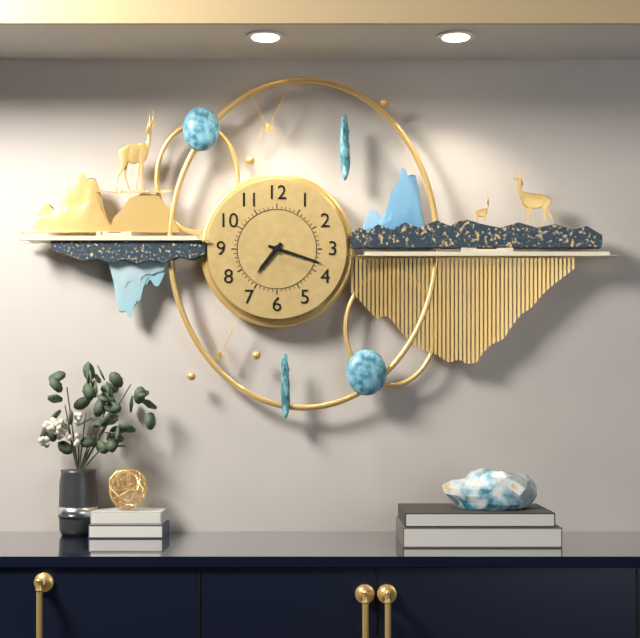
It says 7 h 18 min
